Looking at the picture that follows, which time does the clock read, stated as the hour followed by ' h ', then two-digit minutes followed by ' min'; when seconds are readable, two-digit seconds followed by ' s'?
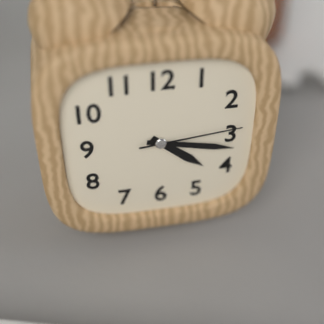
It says 4 h 17 min 14 s
